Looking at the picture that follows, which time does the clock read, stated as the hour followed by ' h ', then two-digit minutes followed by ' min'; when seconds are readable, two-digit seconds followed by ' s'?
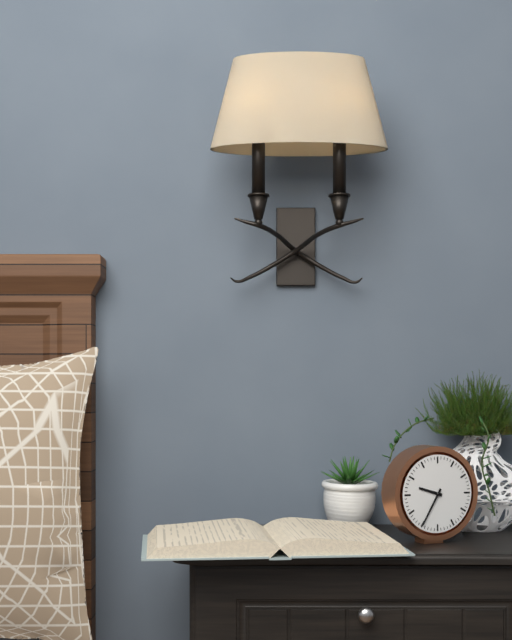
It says 9 h 35 min
